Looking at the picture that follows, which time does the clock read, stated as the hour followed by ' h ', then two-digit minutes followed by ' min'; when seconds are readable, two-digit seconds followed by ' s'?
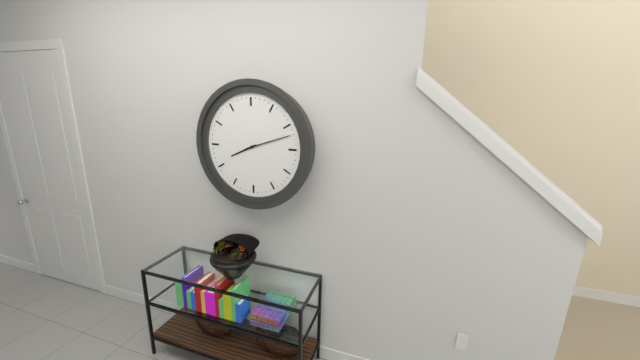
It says 8 h 12 min
